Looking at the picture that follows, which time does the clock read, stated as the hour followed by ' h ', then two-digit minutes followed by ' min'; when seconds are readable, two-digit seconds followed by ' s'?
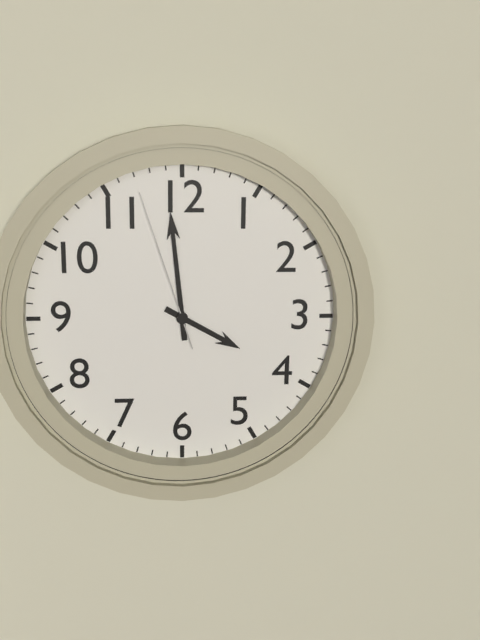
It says 3 h 59 min 57 s
